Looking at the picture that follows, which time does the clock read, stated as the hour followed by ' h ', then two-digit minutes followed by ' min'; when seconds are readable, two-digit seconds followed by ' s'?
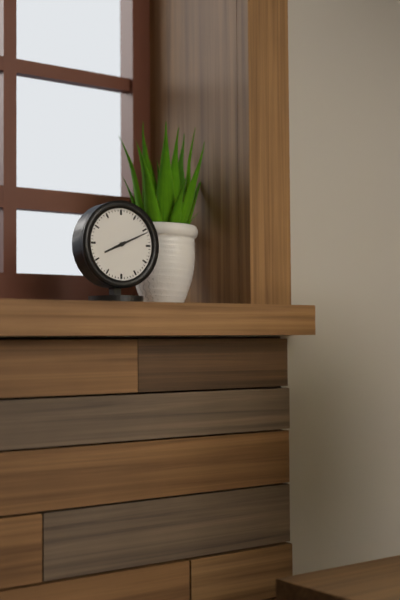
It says 8 h 11 min
